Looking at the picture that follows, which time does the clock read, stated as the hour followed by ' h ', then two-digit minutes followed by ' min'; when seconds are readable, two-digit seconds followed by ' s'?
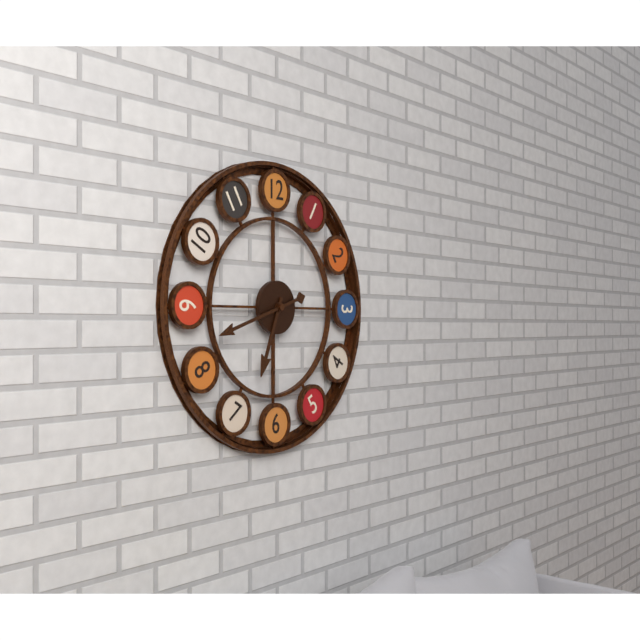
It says 6 h 42 min
